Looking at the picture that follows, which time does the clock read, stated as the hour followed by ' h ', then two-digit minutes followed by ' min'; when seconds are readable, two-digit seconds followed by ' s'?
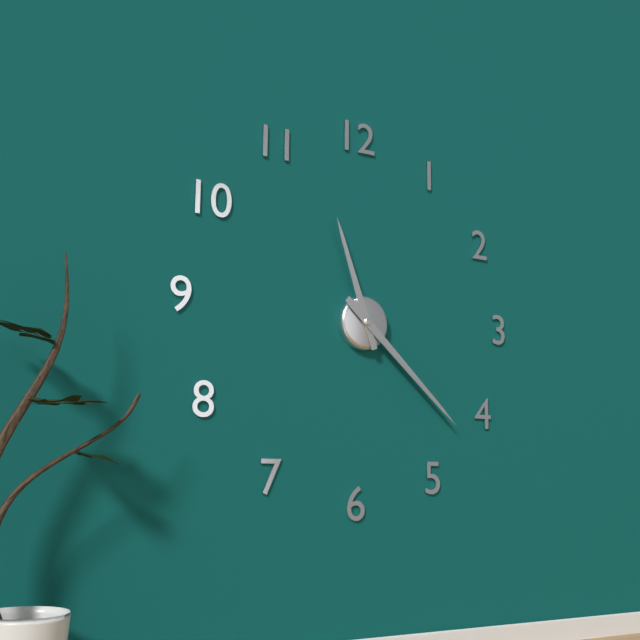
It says 11 h 22 min
